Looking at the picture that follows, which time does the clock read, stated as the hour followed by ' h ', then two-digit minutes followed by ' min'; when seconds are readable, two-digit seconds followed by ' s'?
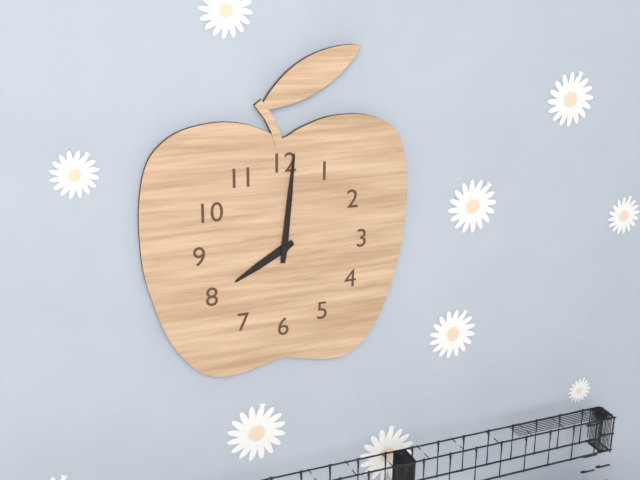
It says 8 h 01 min
